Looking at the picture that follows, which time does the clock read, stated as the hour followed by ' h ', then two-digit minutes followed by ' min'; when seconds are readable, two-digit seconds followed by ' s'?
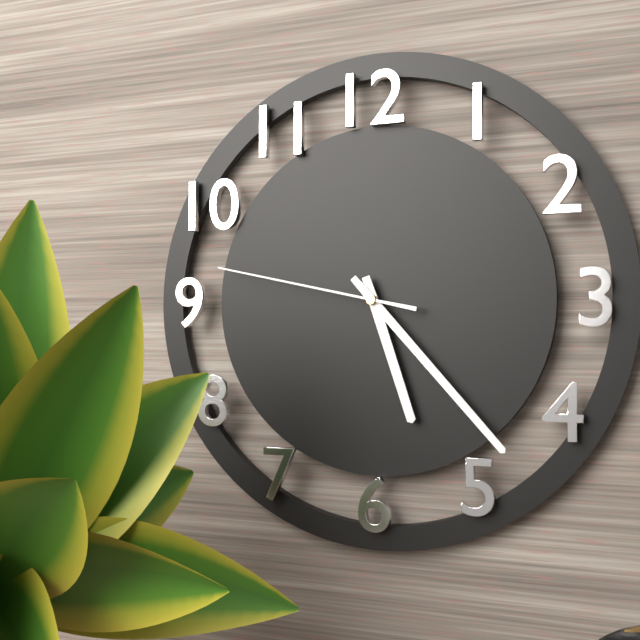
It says 5 h 23 min 47 s
